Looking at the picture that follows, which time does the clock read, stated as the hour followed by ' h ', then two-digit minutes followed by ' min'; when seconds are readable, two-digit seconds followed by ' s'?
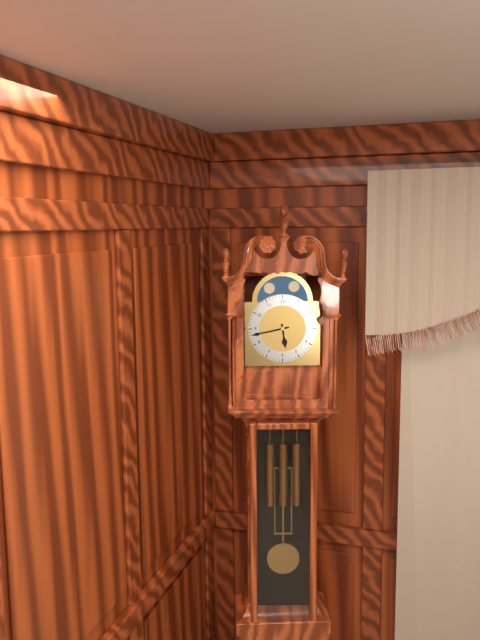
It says 5 h 43 min
